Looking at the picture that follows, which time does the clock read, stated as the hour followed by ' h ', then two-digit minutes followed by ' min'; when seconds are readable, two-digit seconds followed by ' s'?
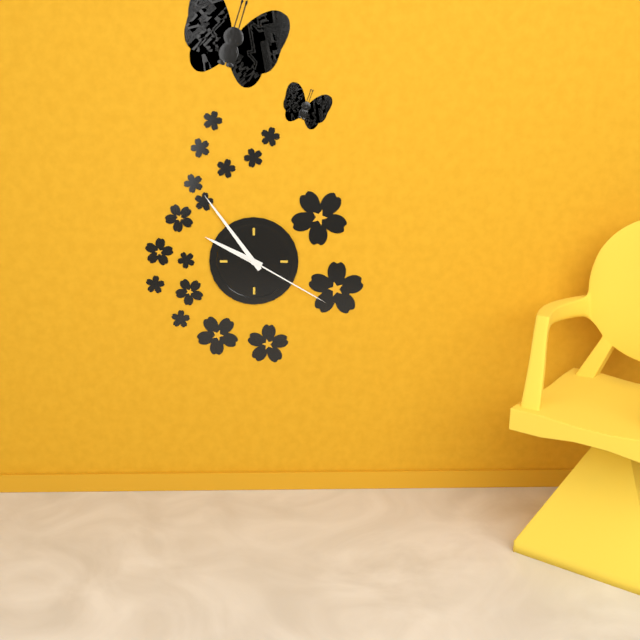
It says 9 h 54 min 20 s
